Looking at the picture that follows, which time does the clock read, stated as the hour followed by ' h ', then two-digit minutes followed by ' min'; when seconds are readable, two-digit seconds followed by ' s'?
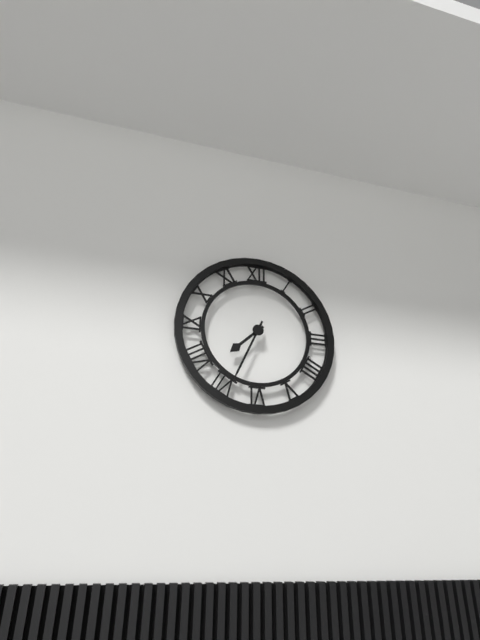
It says 7 h 34 min
